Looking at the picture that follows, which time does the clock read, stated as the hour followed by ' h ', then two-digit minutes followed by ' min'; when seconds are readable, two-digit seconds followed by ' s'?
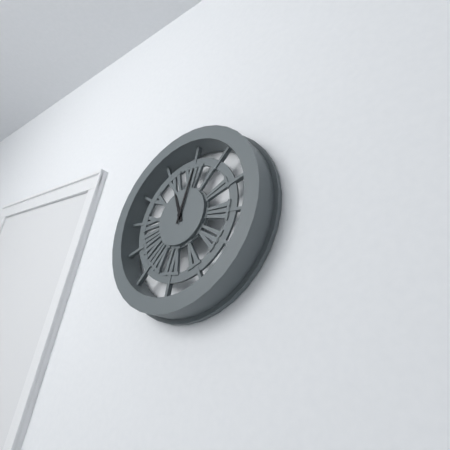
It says 11 h 01 min
